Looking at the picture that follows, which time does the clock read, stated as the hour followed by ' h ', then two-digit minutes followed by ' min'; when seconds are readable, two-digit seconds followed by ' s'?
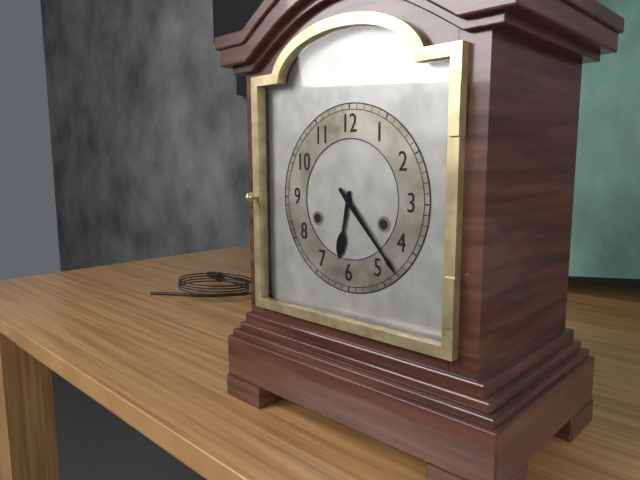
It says 6 h 23 min
